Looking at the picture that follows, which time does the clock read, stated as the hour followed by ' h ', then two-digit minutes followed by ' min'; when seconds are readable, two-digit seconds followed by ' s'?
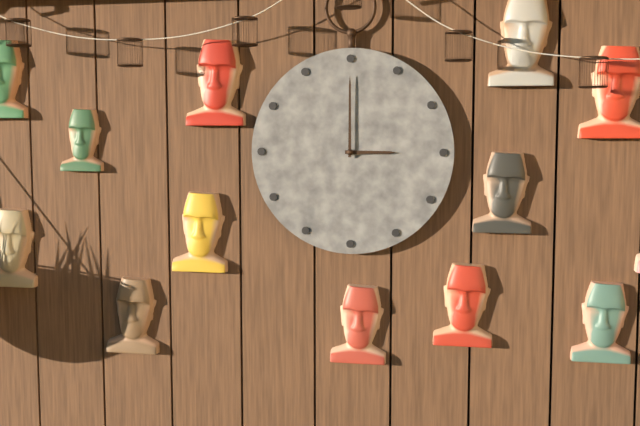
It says 3 h 00 min
